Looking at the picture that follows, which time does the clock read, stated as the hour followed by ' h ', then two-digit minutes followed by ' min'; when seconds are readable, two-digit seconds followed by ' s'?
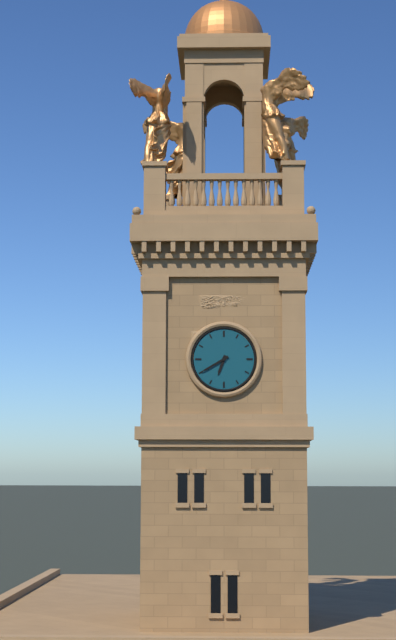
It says 6 h 40 min
